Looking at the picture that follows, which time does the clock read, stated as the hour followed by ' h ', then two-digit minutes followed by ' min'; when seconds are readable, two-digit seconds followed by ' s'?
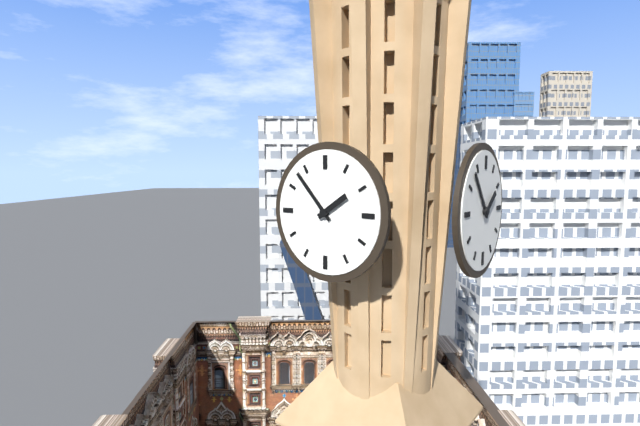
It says 1 h 53 min
